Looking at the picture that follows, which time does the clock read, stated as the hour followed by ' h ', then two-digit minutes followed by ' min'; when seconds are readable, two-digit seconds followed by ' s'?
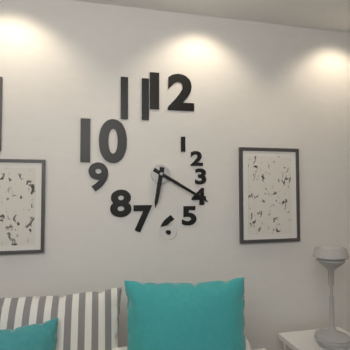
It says 6 h 20 min
